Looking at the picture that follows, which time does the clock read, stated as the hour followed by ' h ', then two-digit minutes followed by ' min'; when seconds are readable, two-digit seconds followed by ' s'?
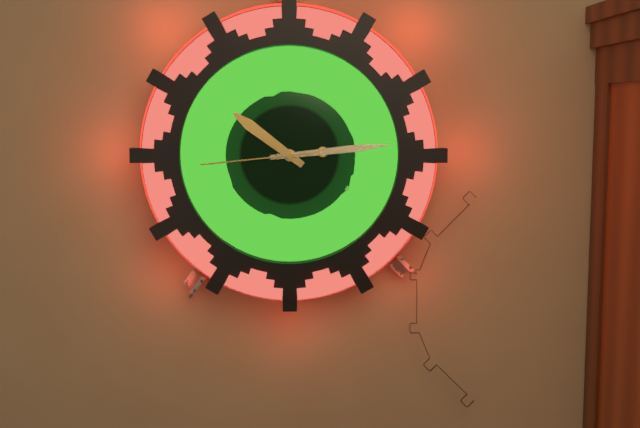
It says 10 h 14 min 44 s
